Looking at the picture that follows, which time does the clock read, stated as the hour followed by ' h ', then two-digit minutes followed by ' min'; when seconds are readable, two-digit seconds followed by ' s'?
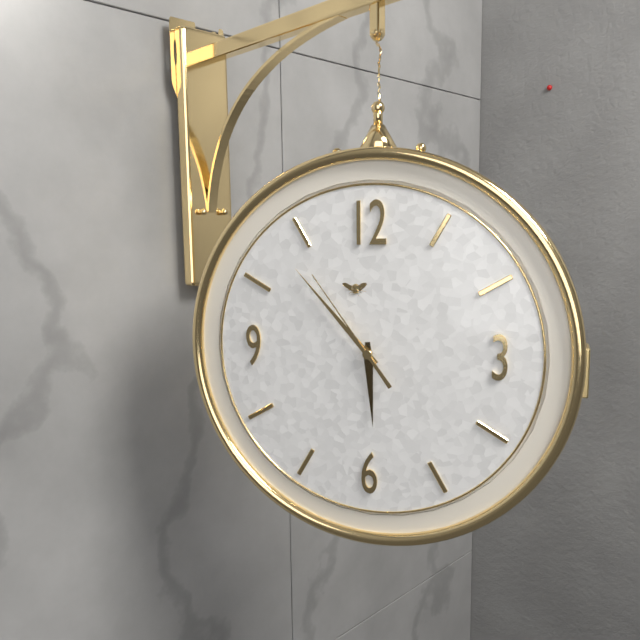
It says 5 h 53 min 54 s
